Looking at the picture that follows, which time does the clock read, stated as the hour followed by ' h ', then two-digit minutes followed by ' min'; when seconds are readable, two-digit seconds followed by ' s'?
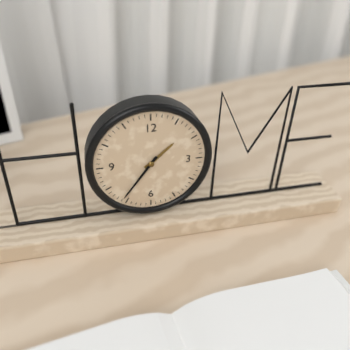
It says 1 h 36 min
